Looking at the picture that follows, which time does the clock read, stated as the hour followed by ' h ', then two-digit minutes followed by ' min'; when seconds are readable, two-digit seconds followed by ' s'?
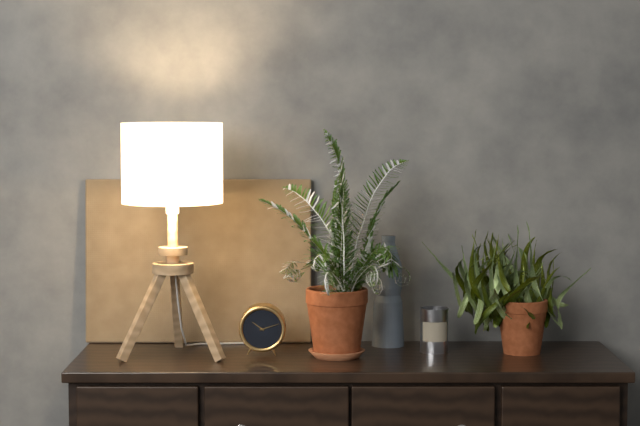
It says 10 h 12 min
